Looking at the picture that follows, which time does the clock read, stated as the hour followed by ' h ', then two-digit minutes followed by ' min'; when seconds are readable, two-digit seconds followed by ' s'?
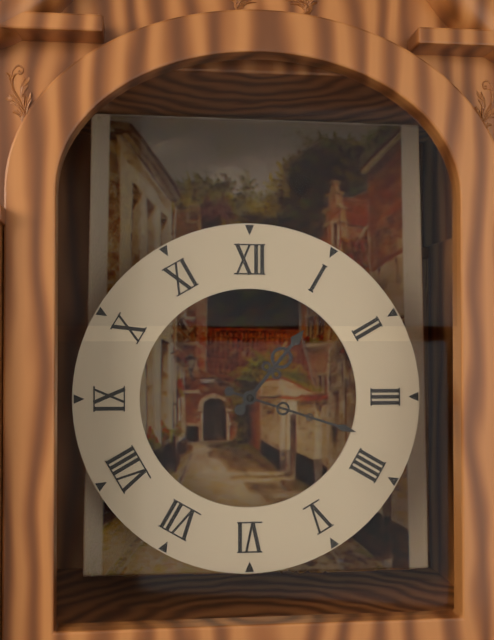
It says 1 h 18 min
